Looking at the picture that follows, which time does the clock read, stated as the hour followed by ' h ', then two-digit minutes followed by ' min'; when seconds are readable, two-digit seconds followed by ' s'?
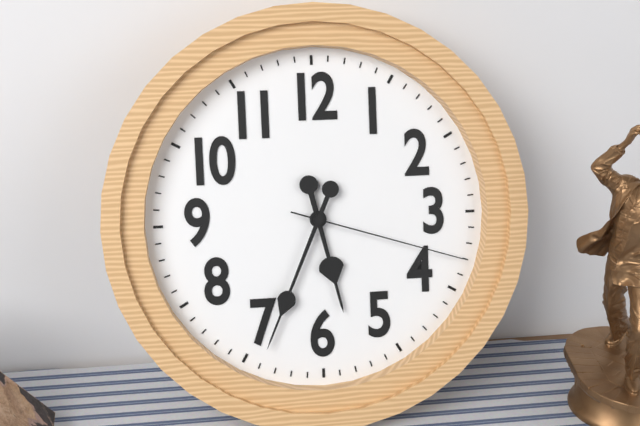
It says 5 h 34 min 18 s
